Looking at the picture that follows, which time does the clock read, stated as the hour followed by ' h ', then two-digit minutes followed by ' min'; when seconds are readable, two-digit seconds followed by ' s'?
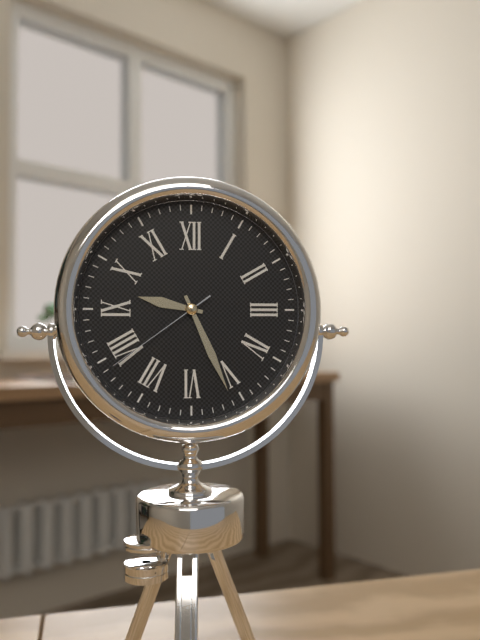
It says 9 h 26 min 39 s
